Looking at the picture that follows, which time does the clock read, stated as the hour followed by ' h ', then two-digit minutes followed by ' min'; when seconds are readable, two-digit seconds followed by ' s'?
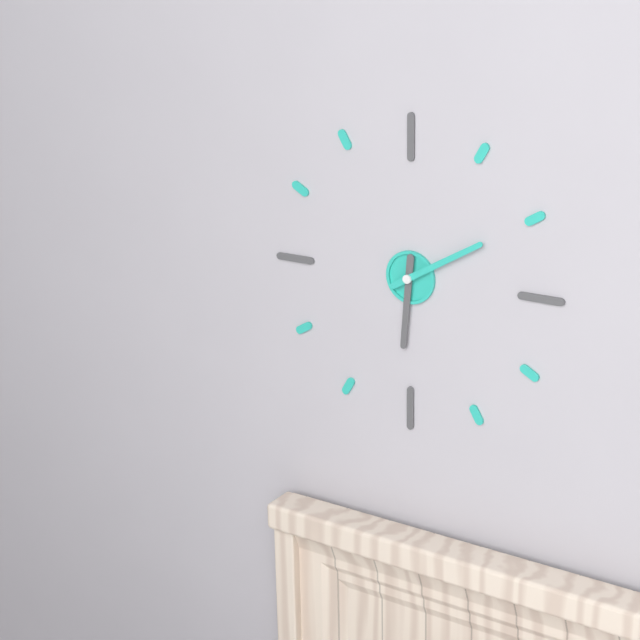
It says 6 h 10 min
